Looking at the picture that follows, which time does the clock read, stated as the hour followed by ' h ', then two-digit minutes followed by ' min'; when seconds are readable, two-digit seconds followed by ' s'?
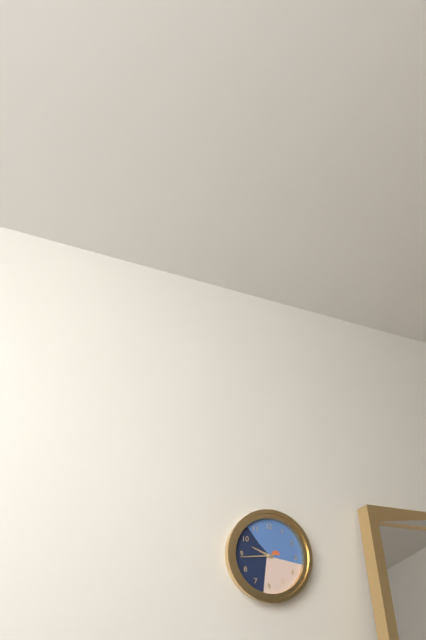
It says 9 h 44 min
